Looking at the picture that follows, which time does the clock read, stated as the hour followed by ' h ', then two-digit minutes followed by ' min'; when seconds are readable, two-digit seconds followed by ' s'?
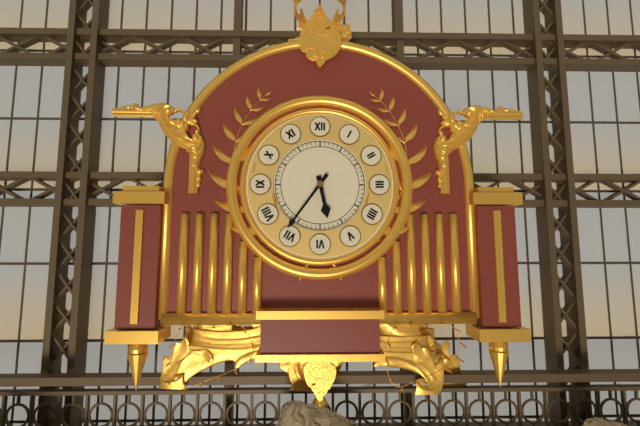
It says 5 h 36 min
